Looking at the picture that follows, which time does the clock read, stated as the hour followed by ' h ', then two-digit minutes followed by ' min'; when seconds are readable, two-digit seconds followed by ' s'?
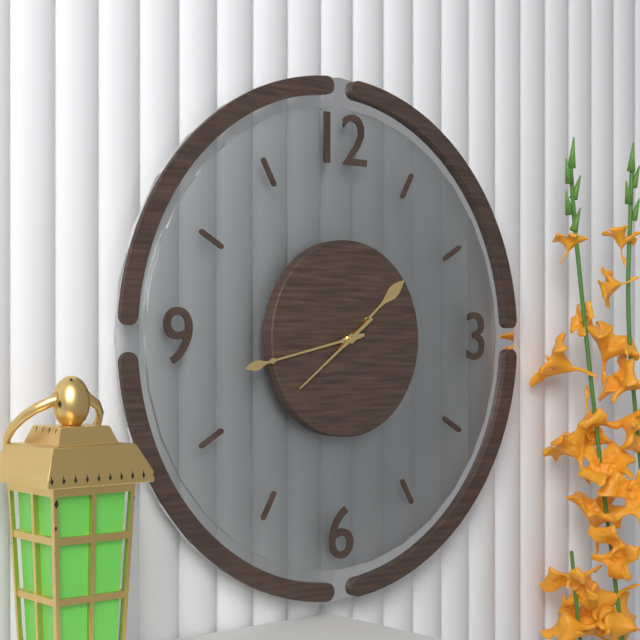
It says 1 h 43 min 39 s
